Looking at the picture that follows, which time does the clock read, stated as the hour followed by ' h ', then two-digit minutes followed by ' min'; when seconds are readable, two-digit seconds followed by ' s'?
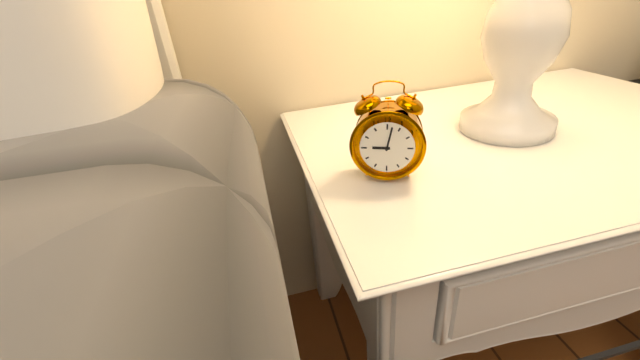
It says 9 h 02 min
